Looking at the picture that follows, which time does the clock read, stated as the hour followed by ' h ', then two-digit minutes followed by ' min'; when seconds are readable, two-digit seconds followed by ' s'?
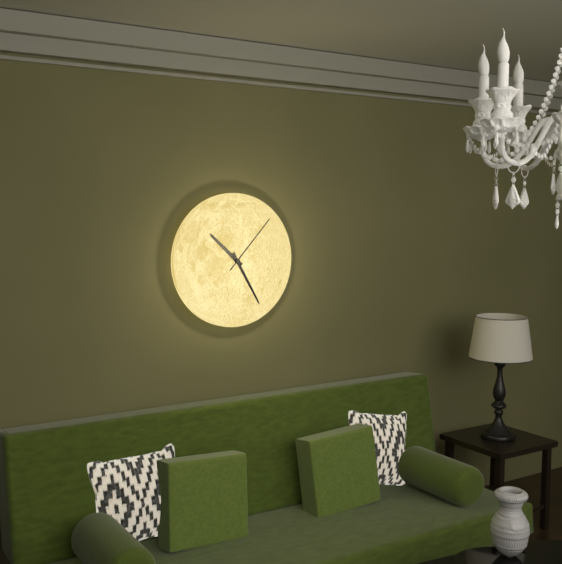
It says 10 h 25 min 07 s
